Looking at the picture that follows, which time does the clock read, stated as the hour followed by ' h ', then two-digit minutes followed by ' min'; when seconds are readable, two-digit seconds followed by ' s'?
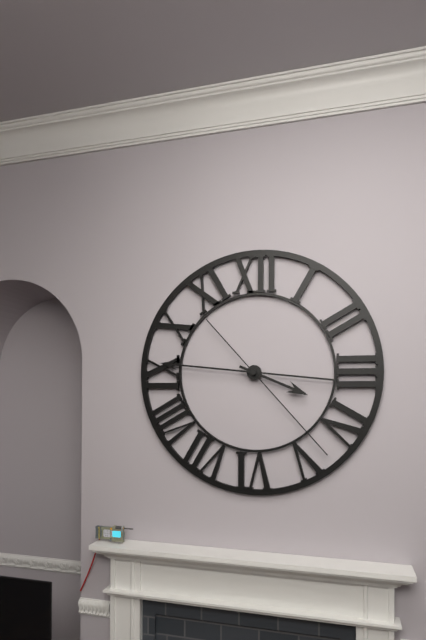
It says 3 h 46 min 23 s
